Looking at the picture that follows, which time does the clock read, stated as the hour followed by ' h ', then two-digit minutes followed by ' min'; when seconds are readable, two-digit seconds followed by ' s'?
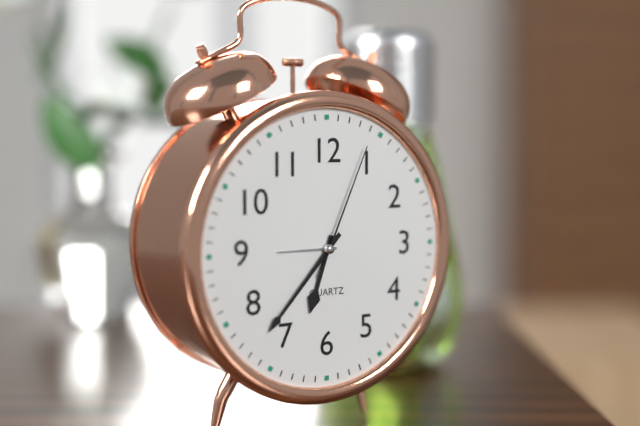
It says 6 h 37 min 04 s
